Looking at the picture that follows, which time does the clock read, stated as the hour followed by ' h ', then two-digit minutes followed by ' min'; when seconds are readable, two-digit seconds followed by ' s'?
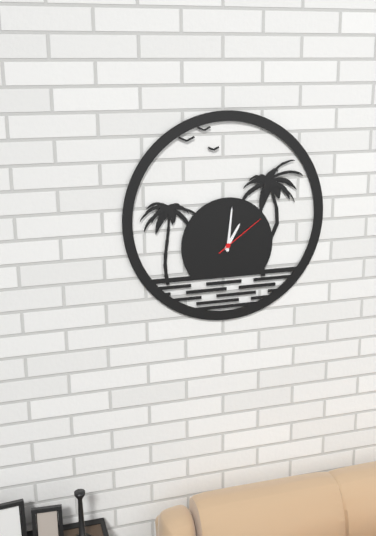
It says 1 h 01 min 09 s
